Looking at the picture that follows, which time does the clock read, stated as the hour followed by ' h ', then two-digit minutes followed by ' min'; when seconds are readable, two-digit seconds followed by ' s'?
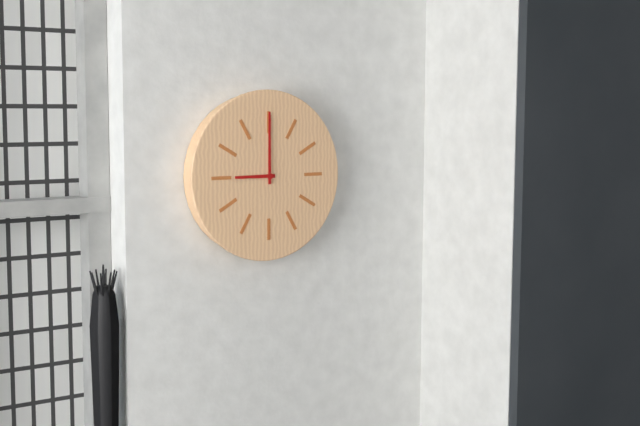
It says 9 h 00 min
